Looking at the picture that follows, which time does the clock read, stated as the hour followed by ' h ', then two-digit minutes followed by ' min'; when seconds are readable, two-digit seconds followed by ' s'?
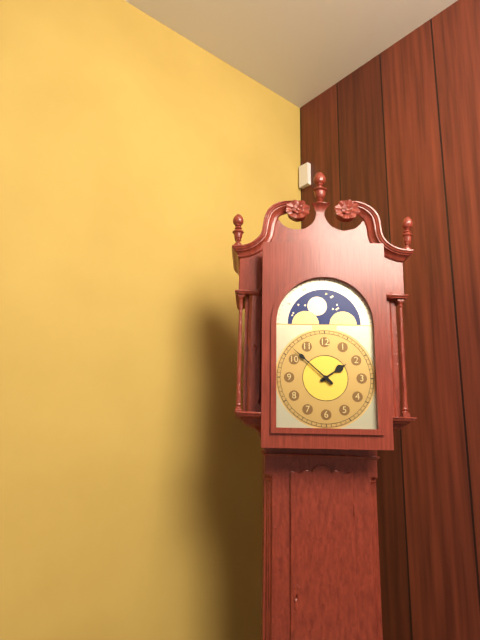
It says 1 h 52 min
